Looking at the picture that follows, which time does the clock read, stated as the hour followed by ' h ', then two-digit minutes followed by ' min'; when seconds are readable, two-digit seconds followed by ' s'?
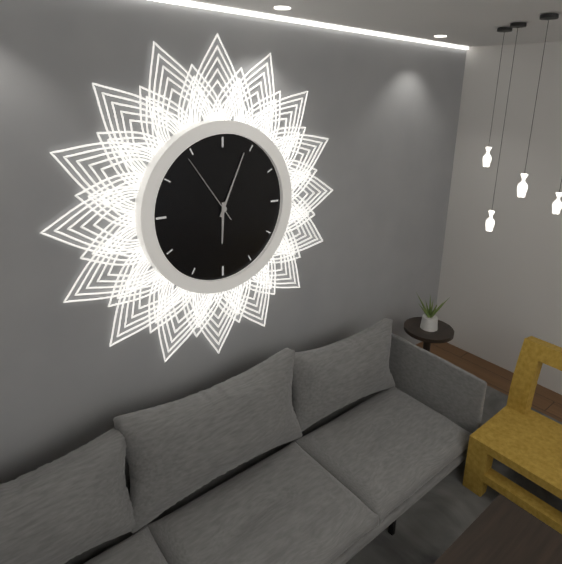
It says 6 h 04 min 54 s
